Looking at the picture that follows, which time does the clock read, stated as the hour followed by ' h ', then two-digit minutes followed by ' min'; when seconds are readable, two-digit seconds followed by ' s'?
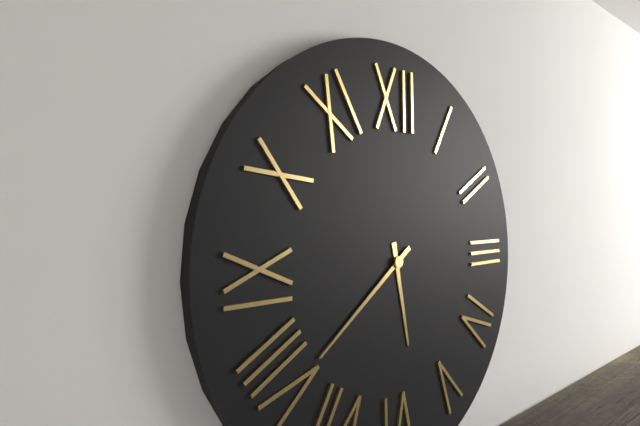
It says 5 h 39 min
